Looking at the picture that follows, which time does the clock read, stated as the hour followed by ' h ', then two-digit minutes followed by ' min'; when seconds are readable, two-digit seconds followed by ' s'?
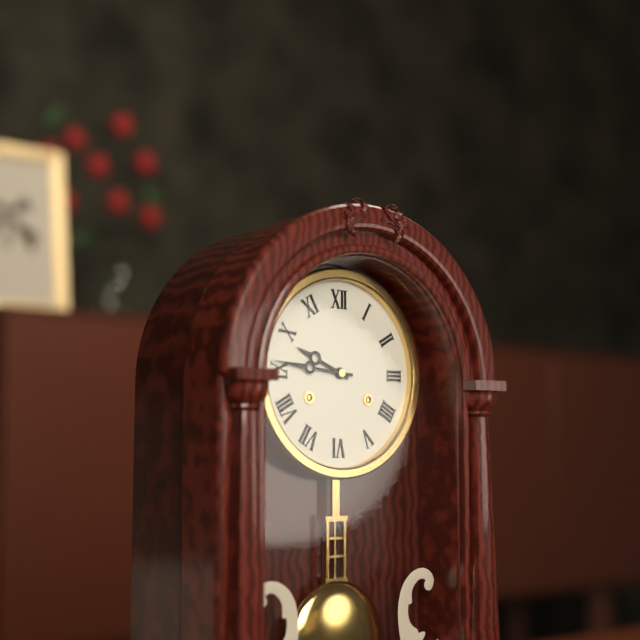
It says 9 h 46 min
